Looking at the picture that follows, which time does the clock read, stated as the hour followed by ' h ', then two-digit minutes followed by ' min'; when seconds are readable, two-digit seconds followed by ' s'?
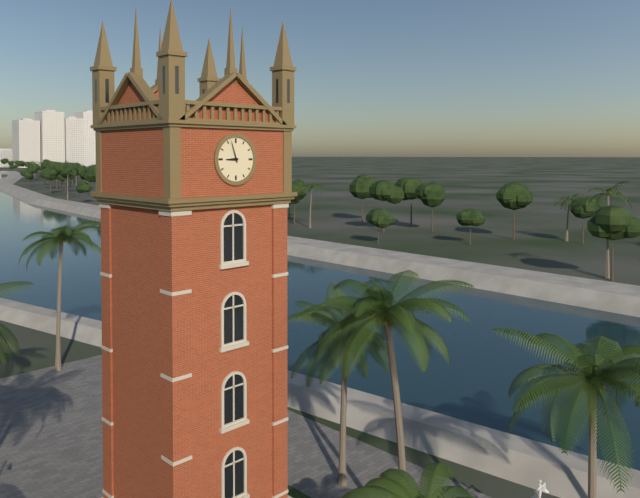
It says 8 h 57 min
